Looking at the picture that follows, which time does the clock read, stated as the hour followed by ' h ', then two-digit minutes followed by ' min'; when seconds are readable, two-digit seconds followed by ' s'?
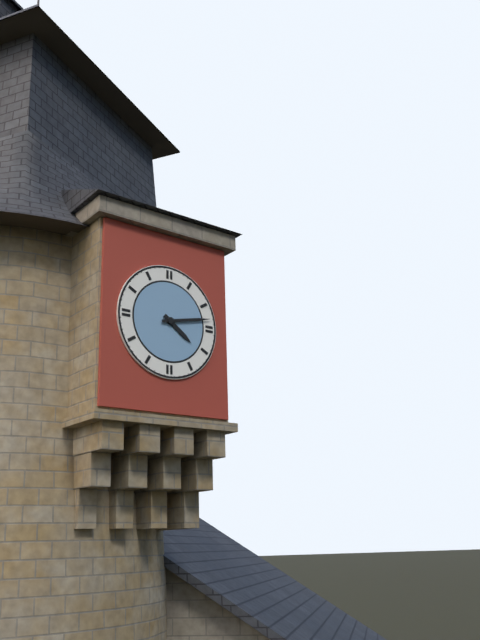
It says 4 h 13 min
